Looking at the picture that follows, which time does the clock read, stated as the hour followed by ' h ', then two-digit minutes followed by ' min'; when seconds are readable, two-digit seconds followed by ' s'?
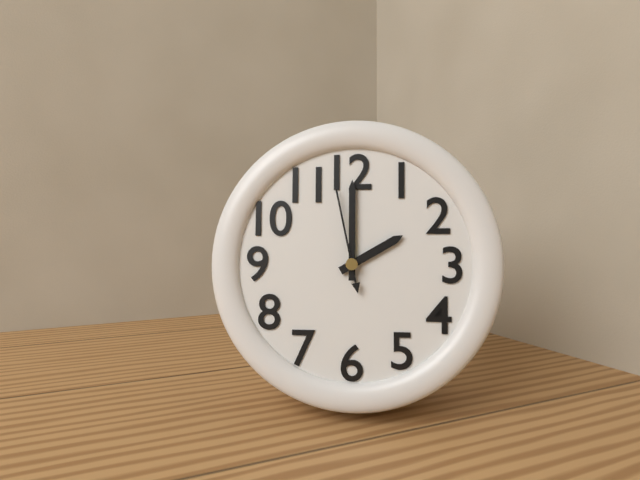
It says 2 h 00 min 58 s
